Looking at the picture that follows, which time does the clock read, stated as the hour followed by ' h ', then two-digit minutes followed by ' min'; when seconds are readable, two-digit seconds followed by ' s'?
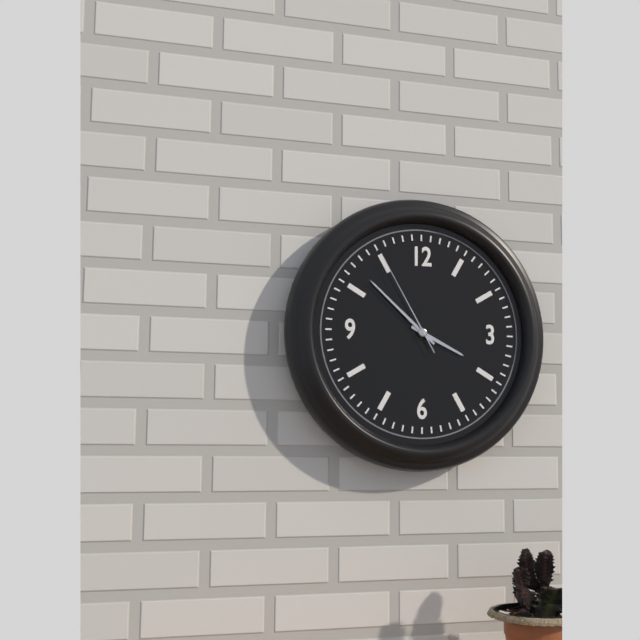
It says 3 h 52 min 55 s
